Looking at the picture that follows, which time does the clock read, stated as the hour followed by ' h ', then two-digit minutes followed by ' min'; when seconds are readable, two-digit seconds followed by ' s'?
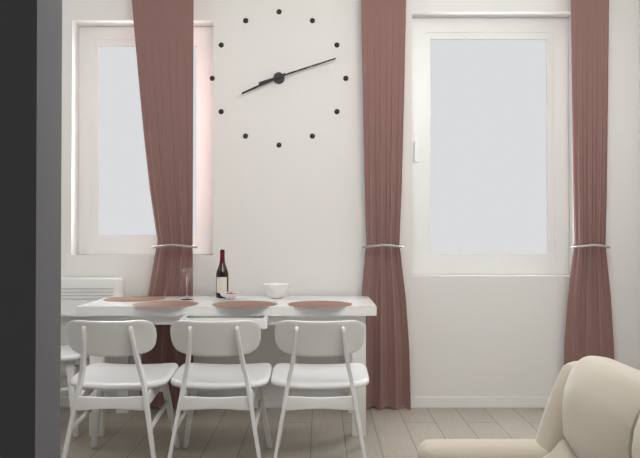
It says 8 h 12 min
